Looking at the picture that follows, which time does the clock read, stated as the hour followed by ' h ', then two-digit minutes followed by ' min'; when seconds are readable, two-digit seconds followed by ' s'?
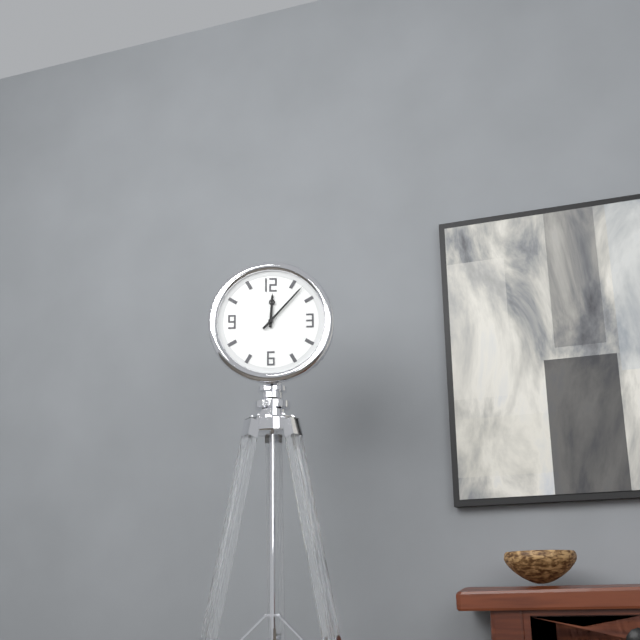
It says 12 h 07 min
